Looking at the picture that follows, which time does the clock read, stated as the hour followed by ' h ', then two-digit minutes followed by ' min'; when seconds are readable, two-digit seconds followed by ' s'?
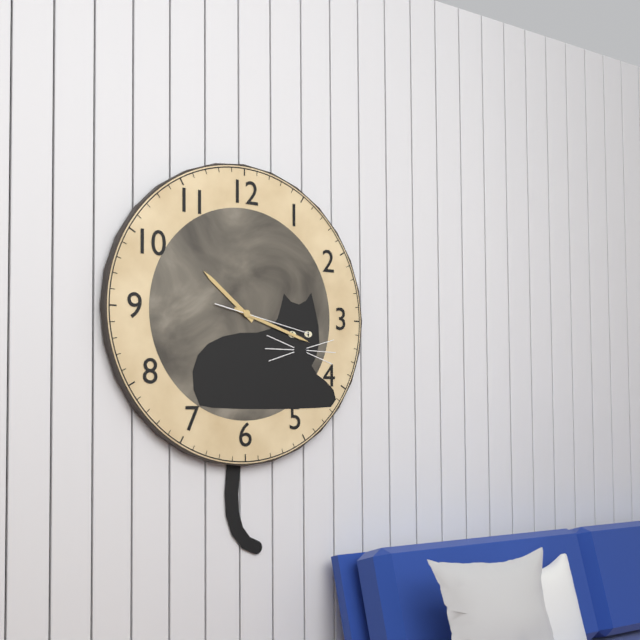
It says 10 h 18 min 17 s
